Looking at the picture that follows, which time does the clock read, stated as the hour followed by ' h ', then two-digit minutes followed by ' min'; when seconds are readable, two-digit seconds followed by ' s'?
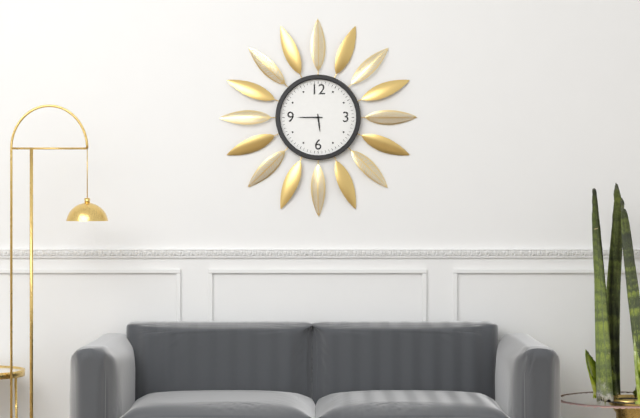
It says 5 h 45 min
